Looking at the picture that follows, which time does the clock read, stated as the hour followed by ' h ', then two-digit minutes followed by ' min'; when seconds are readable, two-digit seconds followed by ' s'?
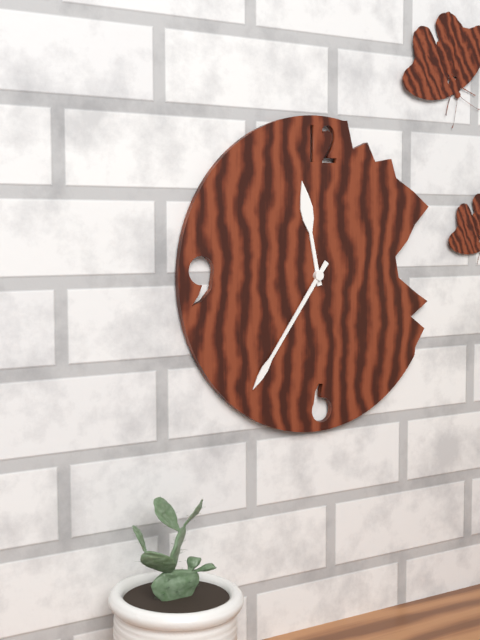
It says 11 h 36 min
